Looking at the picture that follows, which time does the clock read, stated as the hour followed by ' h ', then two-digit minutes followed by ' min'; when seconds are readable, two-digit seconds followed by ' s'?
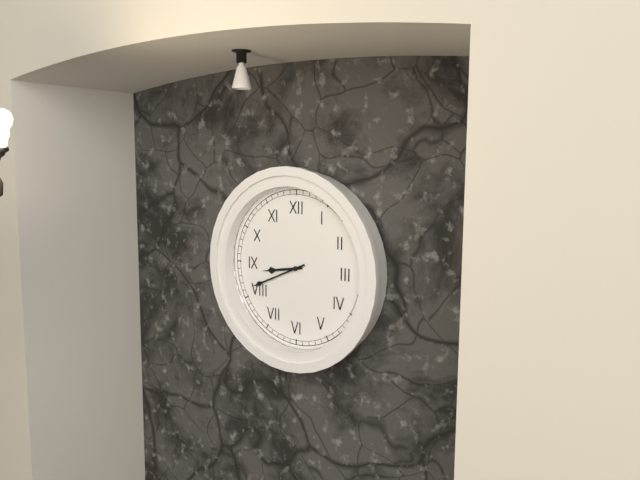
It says 8 h 41 min
